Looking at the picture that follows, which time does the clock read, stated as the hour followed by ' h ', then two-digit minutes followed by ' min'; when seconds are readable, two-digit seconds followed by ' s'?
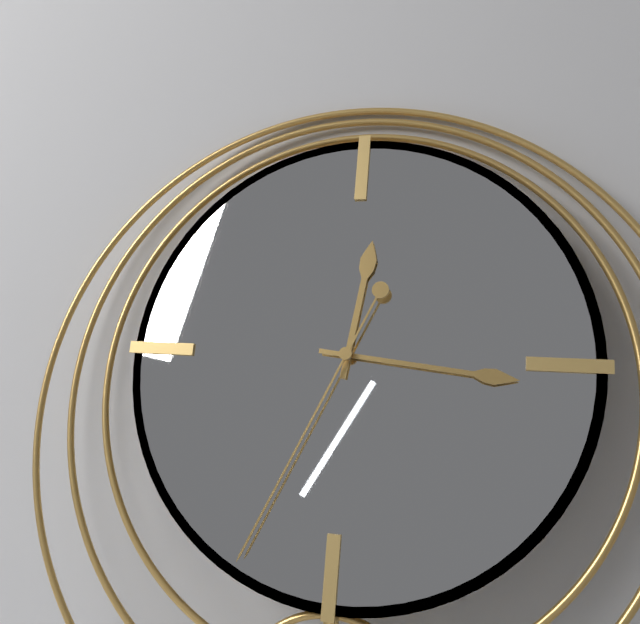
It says 12 h 16 min 34 s
